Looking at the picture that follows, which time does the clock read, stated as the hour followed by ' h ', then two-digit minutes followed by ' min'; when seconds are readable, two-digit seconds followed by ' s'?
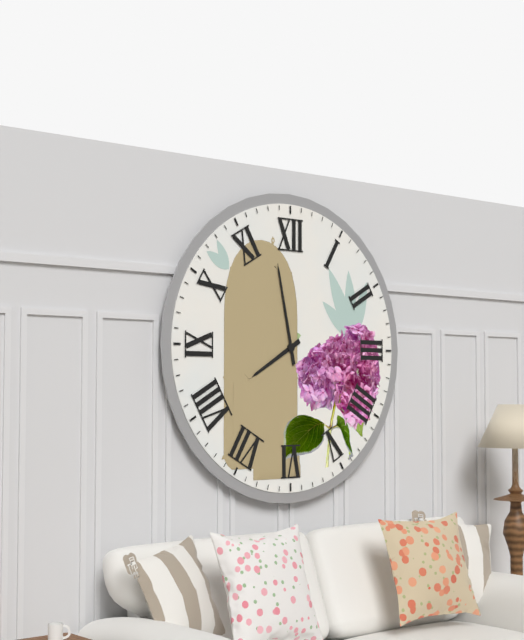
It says 7 h 58 min
